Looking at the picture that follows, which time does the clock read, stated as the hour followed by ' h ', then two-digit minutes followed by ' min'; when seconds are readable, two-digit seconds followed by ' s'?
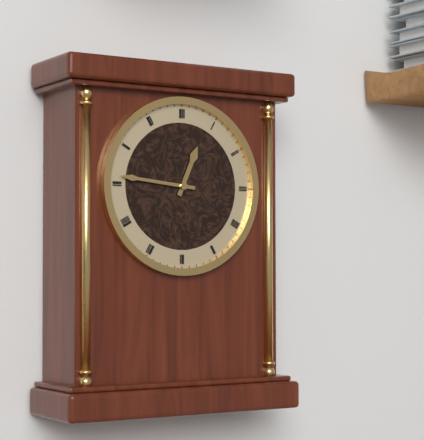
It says 12 h 46 min
